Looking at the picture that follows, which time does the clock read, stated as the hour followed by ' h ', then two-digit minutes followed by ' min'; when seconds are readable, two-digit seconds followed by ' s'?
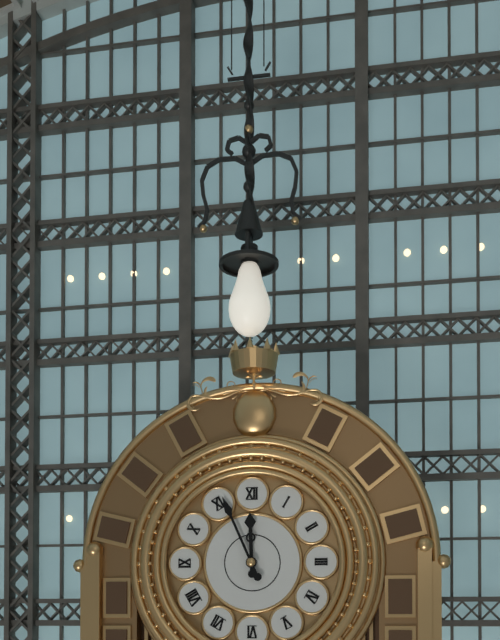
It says 11 h 56 min
